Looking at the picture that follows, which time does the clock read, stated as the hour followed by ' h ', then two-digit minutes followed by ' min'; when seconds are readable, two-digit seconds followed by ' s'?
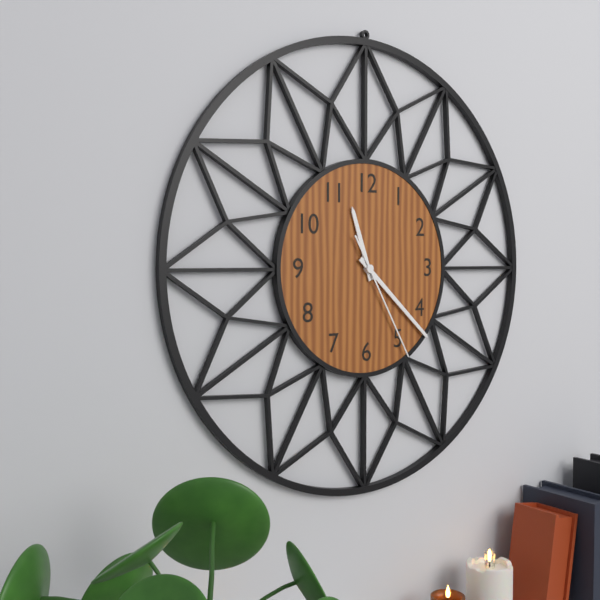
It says 11 h 22 min 25 s
